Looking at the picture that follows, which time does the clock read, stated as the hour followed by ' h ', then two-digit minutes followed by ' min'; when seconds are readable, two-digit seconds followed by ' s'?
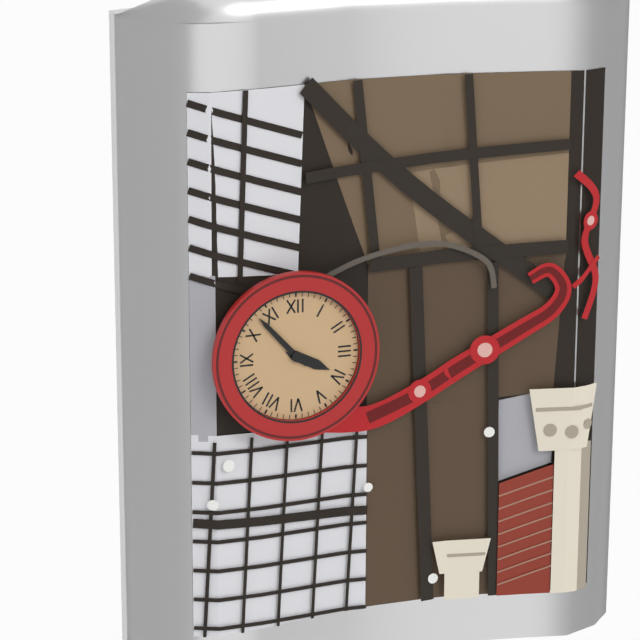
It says 3 h 53 min
